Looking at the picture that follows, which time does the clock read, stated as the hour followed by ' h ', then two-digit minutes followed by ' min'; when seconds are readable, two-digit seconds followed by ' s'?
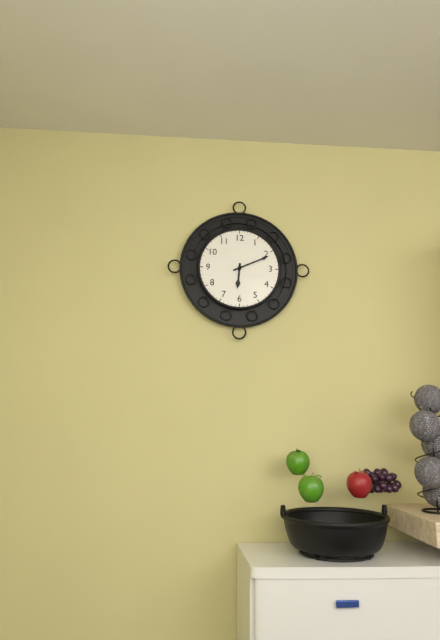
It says 6 h 11 min
